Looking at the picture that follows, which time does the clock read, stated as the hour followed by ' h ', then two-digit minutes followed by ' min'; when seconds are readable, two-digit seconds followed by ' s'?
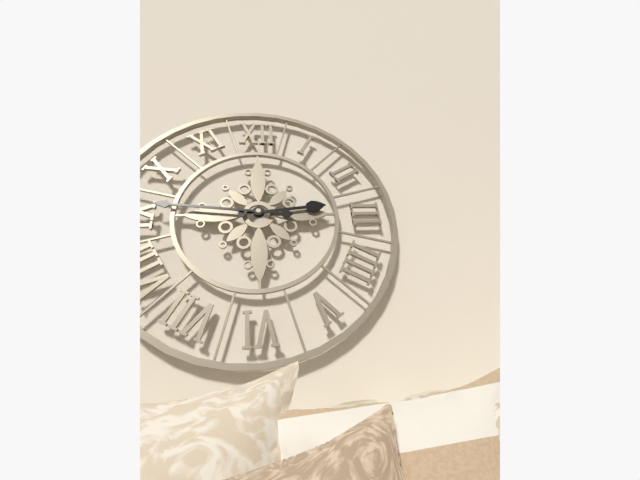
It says 2 h 46 min
